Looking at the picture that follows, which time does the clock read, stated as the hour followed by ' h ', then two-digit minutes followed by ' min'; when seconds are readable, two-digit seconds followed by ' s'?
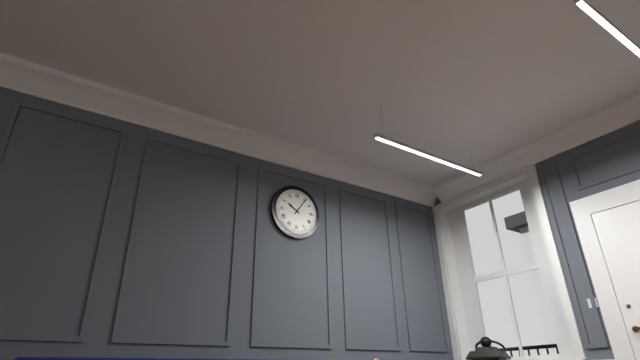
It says 10 h 06 min
